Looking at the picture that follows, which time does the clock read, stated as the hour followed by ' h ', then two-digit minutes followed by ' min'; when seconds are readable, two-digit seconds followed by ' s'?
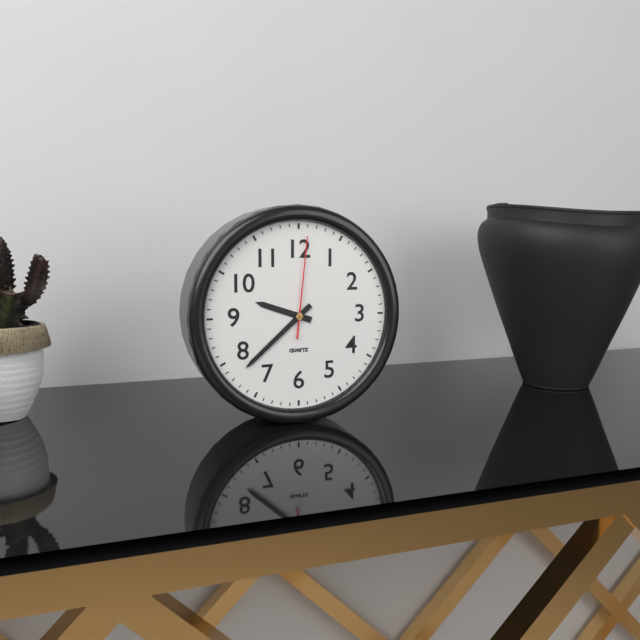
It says 9 h 38 min 01 s
